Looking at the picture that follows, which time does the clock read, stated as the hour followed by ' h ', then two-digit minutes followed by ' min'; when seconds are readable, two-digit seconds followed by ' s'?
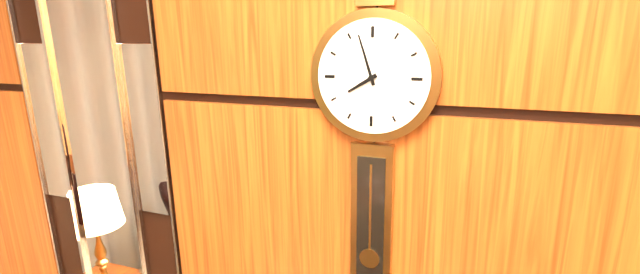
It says 7 h 57 min
